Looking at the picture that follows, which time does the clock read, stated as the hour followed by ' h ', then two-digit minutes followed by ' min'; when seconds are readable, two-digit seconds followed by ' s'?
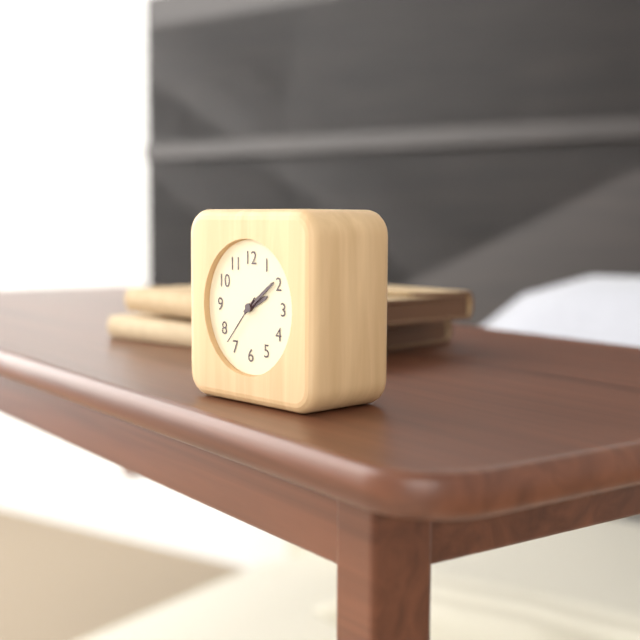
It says 2 h 09 min 37 s
